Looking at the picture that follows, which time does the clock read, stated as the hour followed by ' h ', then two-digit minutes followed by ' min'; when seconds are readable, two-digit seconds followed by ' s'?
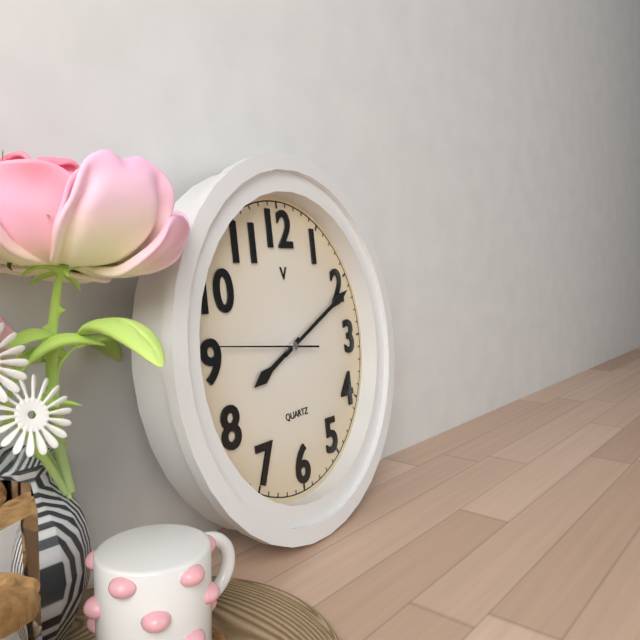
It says 8 h 11 min 46 s
